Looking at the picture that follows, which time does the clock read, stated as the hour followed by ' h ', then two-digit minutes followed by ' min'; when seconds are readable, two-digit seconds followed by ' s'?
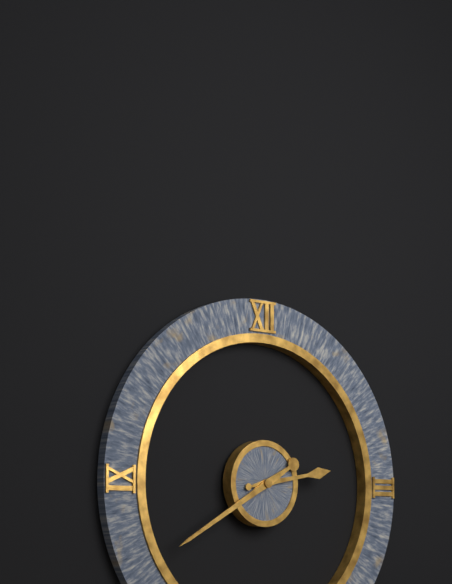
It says 2 h 40 min
